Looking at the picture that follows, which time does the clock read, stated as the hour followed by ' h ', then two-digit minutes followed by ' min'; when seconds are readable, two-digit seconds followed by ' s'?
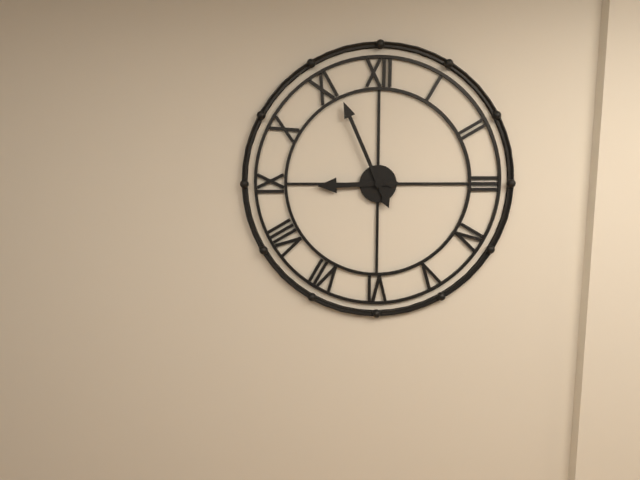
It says 8 h 56 min
